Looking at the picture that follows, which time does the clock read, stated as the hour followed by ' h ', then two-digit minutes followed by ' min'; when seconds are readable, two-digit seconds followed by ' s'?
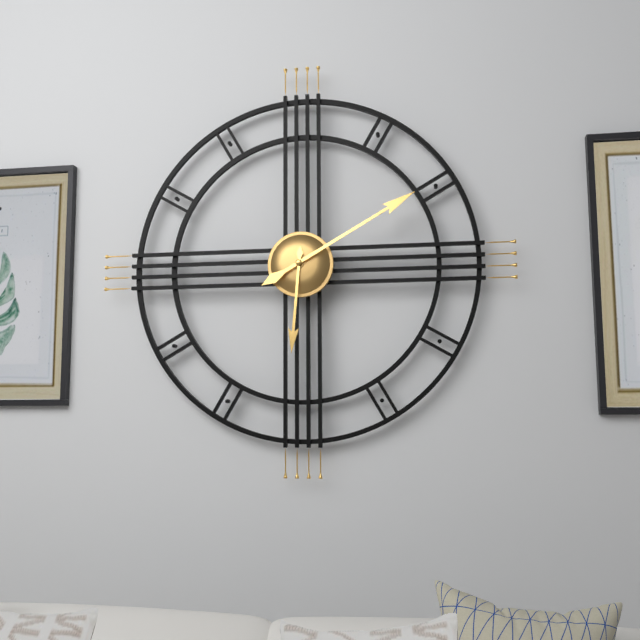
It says 6 h 10 min
